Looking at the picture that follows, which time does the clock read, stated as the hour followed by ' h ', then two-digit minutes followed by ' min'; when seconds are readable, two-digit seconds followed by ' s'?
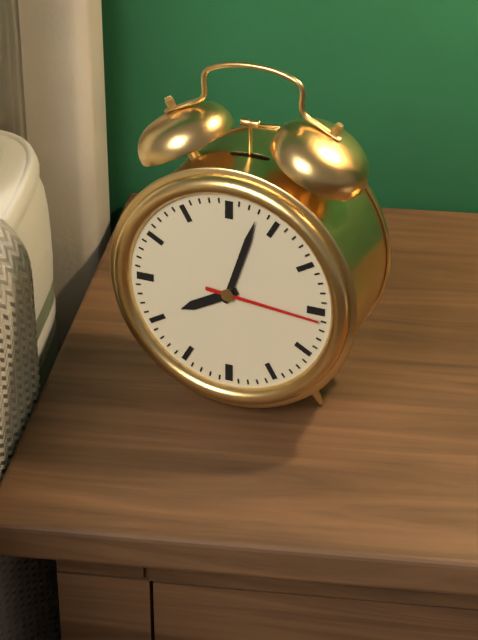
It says 8 h 03 min 16 s
